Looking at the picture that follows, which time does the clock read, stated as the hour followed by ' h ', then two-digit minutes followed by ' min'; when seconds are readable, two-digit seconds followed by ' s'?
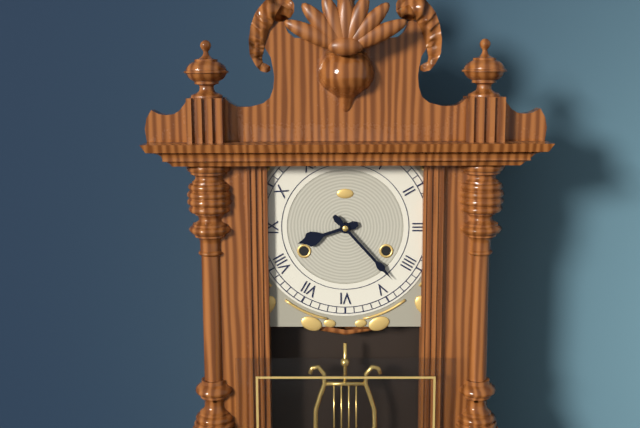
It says 8 h 23 min
